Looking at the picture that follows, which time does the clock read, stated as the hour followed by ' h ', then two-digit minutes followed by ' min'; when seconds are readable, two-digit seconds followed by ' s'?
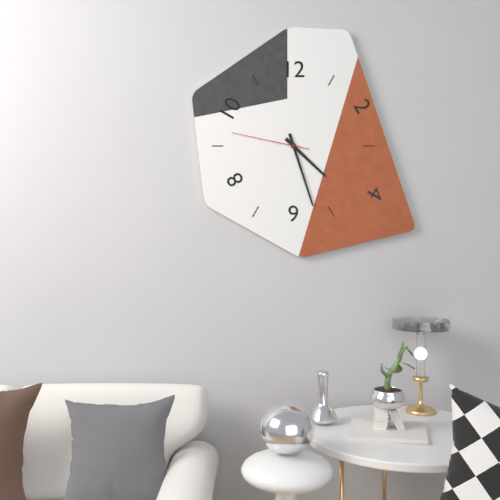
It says 4 h 27 min 47 s
